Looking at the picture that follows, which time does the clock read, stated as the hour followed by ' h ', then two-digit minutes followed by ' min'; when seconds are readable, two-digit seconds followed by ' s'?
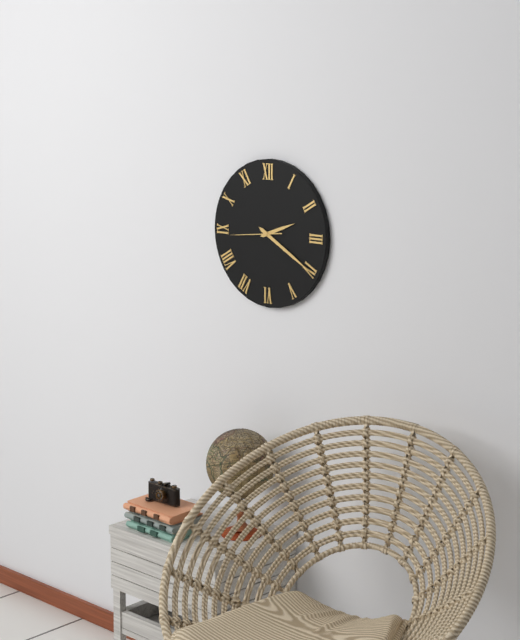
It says 2 h 20 min
